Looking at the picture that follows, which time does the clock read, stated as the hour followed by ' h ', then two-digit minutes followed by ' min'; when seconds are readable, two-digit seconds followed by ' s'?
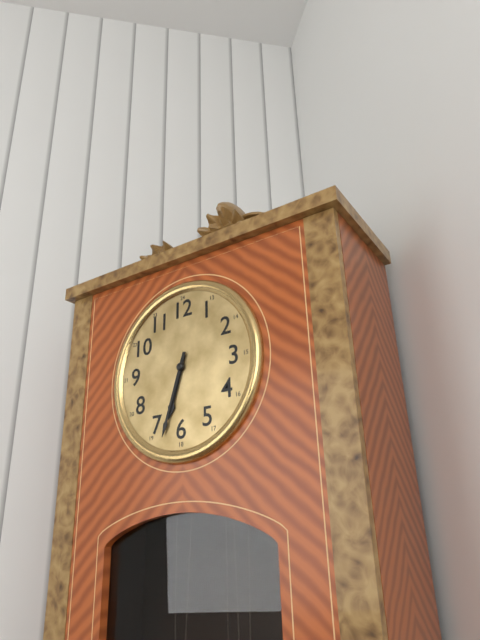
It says 6 h 33 min
